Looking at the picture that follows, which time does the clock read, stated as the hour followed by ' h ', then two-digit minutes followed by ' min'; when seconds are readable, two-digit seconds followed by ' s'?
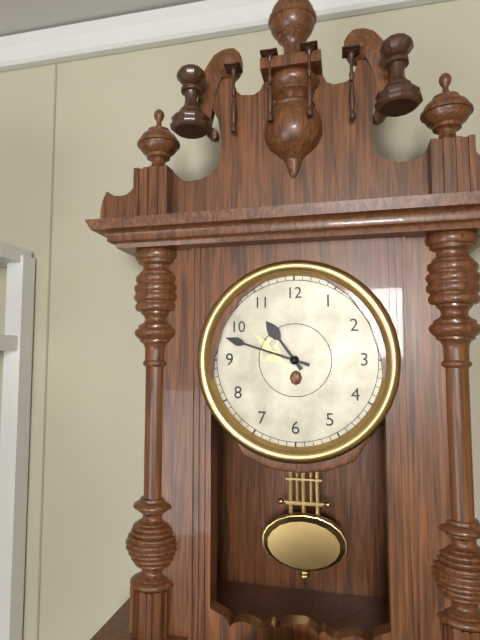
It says 10 h 48 min
